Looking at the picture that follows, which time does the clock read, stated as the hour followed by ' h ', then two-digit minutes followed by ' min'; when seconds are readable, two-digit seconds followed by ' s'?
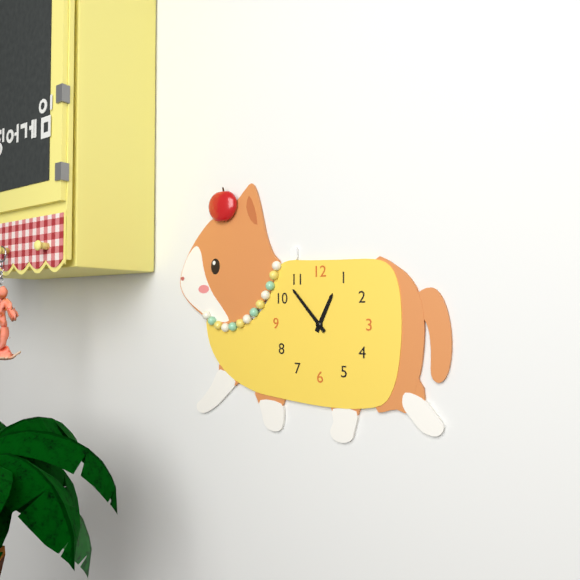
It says 12 h 53 min
